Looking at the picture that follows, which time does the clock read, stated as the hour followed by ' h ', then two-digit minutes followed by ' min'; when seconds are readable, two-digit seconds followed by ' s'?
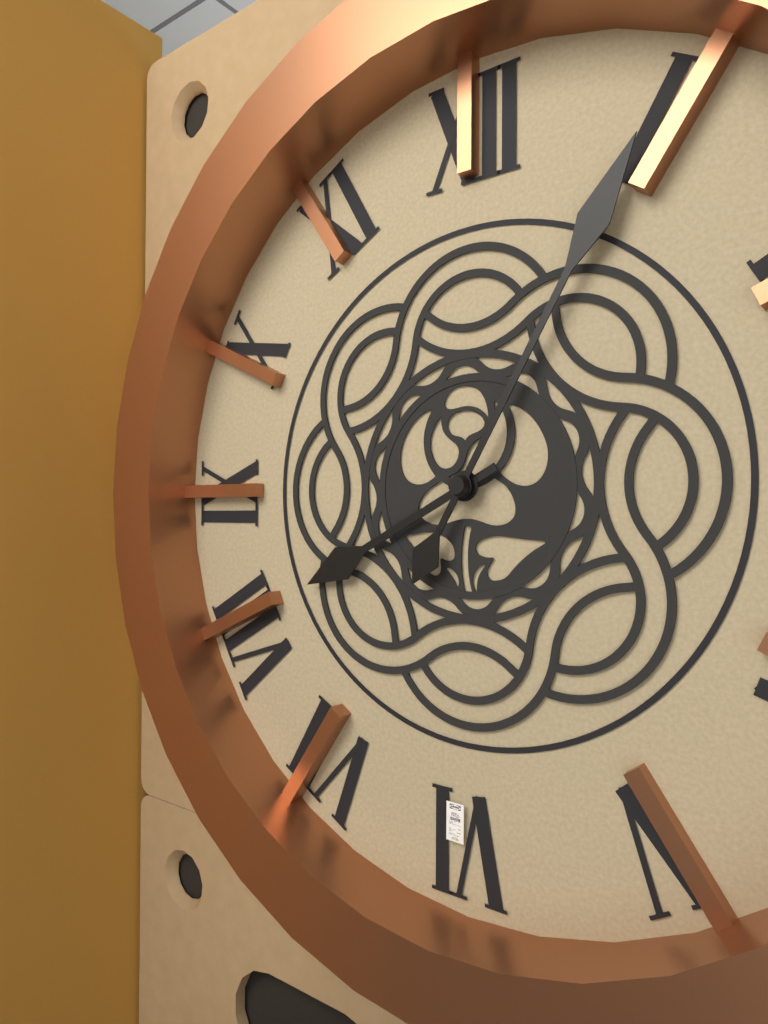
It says 8 h 05 min
